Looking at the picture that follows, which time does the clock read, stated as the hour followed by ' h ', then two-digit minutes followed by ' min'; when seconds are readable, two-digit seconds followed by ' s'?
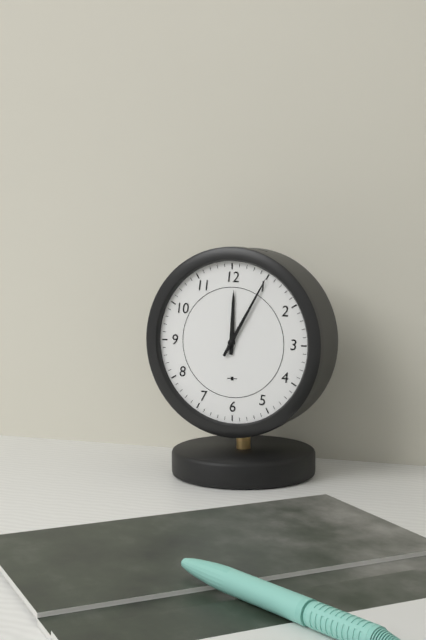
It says 12 h 05 min
